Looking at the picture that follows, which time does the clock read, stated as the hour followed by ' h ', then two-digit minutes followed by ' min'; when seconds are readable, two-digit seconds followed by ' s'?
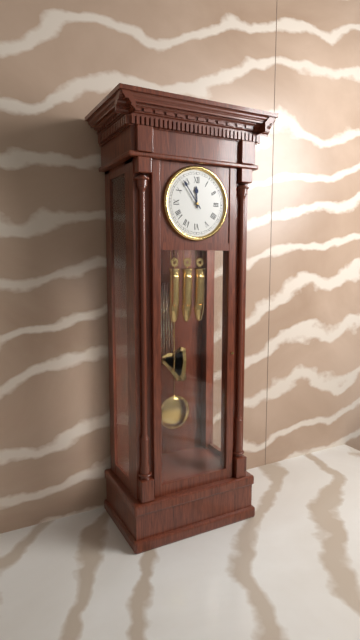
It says 11 h 54 min
